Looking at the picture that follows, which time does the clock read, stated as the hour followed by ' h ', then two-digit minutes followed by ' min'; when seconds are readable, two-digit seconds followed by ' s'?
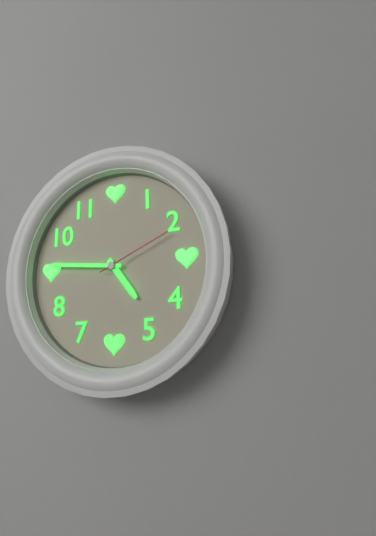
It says 4 h 46 min 11 s
